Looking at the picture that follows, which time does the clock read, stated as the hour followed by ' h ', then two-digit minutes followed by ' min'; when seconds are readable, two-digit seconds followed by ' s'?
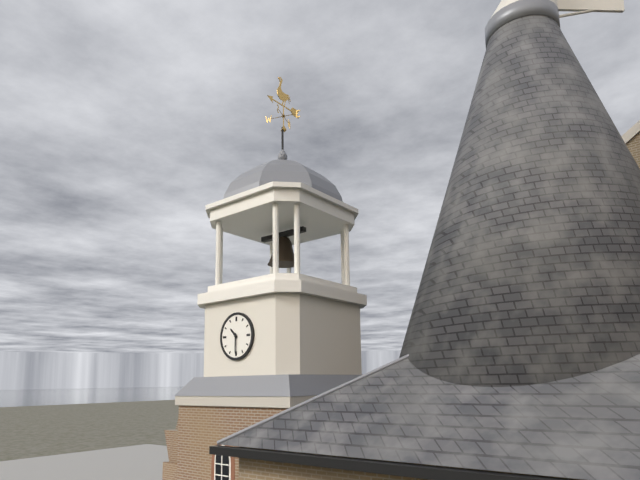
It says 10 h 30 min
